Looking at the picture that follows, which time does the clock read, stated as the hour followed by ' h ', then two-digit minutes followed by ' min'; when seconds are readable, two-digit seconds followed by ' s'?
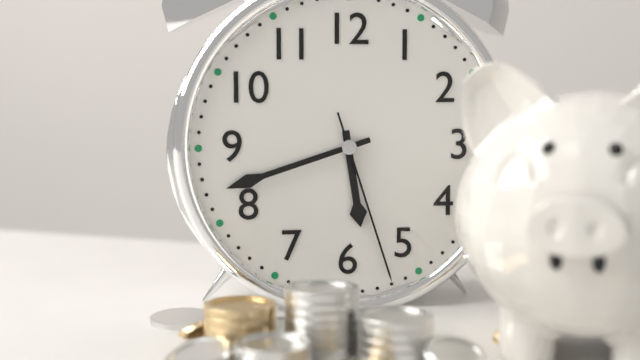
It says 5 h 42 min 27 s
